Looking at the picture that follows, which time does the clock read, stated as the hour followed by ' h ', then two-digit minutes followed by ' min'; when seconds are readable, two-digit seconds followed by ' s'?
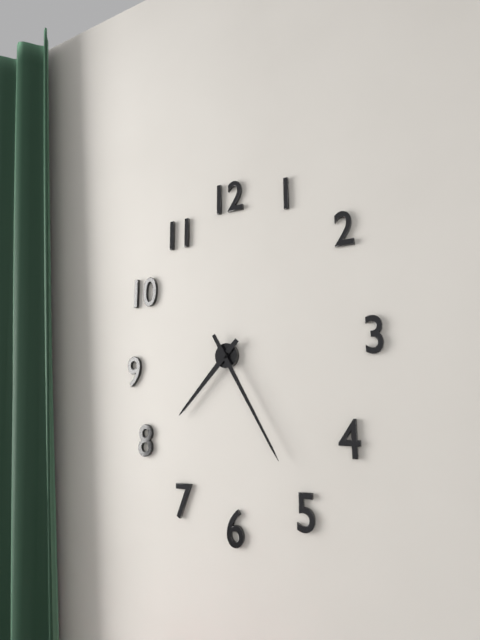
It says 7 h 25 min
